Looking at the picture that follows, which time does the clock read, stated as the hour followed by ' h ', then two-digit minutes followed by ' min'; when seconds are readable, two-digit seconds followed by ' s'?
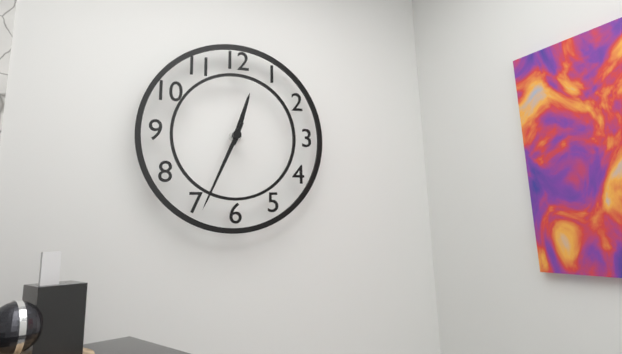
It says 12 h 34 min
